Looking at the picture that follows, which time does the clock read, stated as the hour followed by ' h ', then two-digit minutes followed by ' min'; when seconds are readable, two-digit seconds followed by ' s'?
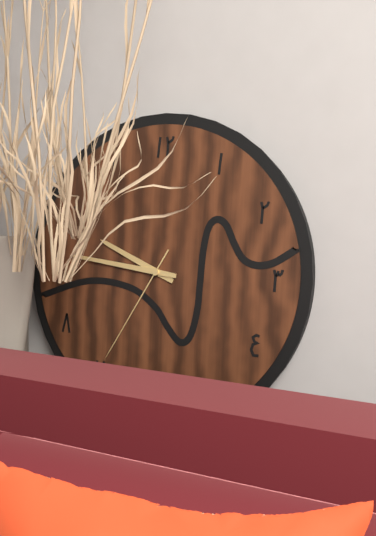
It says 9 h 46 min 35 s
